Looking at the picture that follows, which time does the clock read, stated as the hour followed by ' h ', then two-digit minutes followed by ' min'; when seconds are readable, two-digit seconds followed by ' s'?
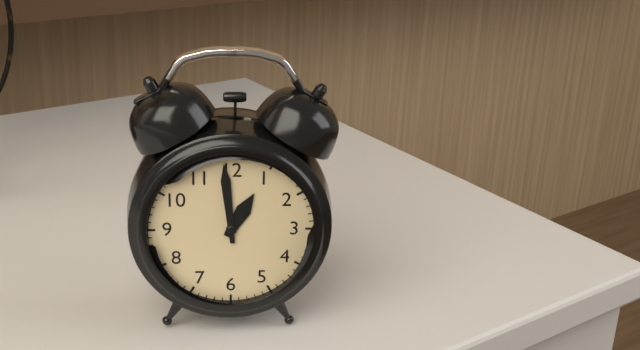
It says 12 h 59 min
